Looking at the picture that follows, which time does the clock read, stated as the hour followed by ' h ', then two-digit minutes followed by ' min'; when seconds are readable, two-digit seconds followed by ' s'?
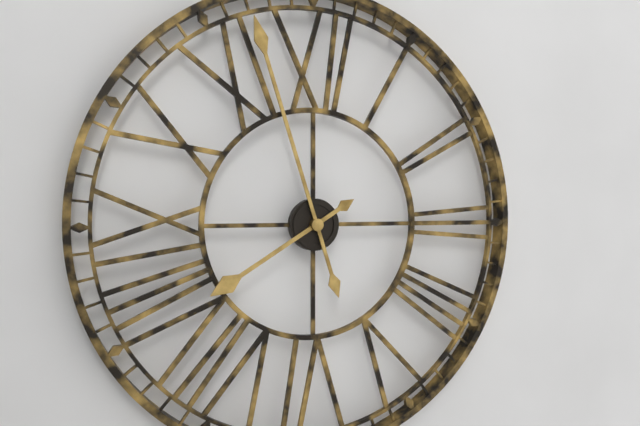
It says 7 h 57 min
